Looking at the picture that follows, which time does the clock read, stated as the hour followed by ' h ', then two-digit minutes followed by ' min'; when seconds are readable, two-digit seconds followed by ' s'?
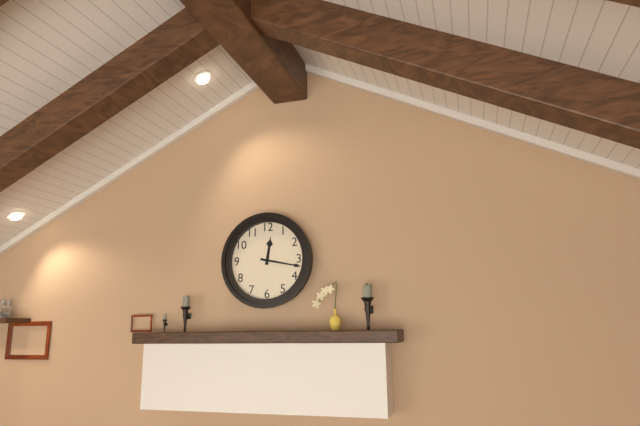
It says 12 h 17 min
